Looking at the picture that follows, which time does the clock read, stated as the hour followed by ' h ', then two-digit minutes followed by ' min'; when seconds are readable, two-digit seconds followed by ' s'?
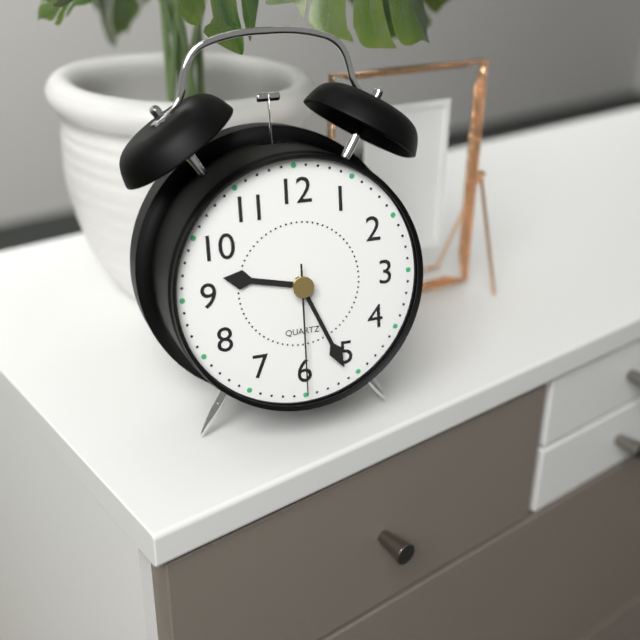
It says 9 h 26 min 30 s
